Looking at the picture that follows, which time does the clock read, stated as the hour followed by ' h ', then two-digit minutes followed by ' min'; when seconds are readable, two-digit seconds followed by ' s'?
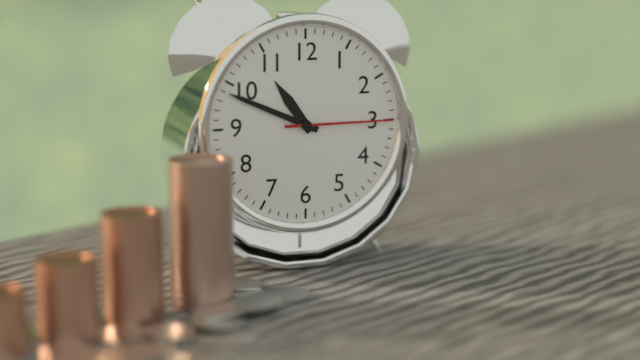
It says 10 h 49 min 15 s
